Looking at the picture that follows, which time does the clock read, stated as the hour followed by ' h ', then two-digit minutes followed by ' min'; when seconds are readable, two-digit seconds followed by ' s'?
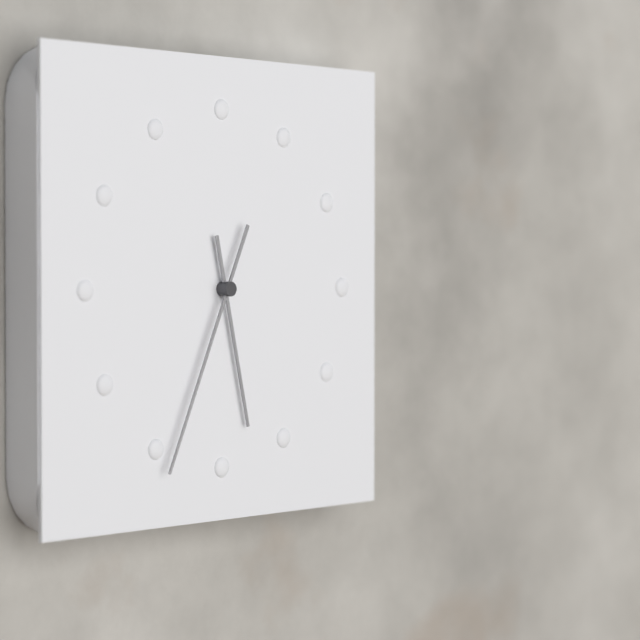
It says 5 h 34 min
